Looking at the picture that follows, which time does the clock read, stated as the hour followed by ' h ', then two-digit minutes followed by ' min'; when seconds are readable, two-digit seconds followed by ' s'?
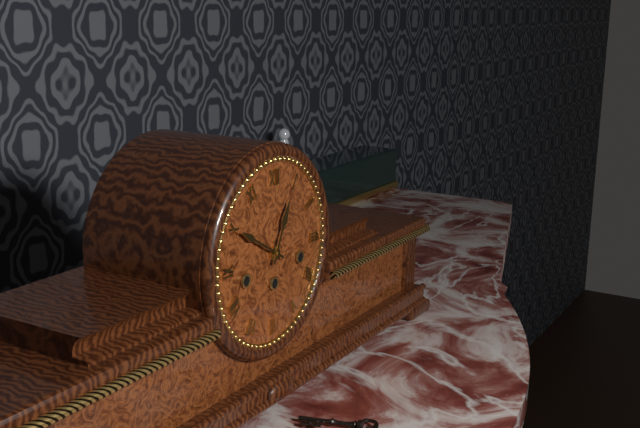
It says 12 h 50 min
